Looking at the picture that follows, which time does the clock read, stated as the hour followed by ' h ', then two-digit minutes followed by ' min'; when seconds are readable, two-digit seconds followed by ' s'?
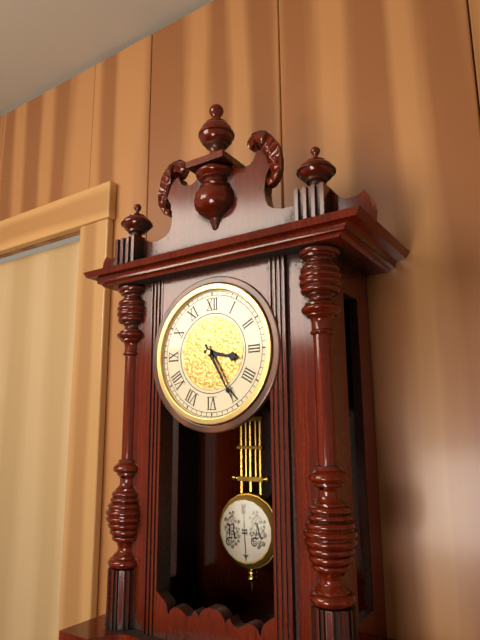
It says 3 h 25 min
